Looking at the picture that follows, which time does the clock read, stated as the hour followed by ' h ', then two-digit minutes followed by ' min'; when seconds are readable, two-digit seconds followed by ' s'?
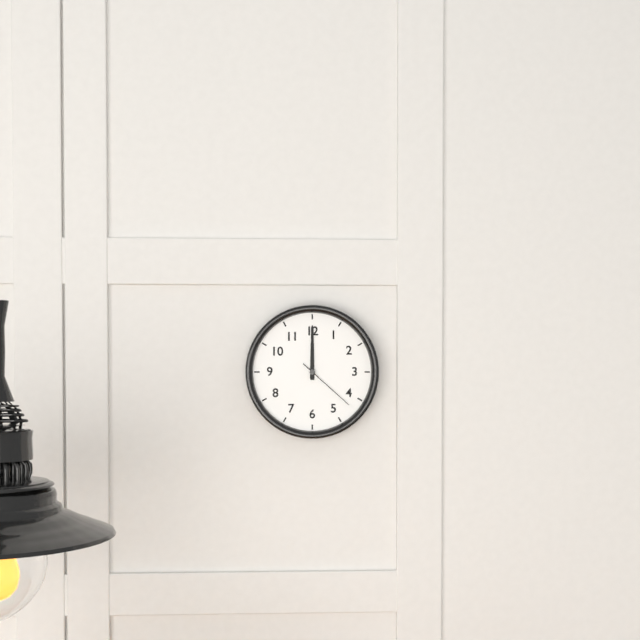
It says 12 h 00 min 22 s
